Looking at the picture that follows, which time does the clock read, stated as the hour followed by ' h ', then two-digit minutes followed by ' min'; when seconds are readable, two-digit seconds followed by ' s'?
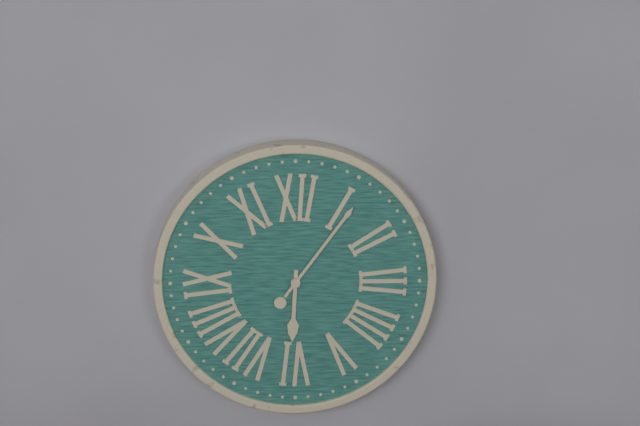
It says 6 h 06 min
